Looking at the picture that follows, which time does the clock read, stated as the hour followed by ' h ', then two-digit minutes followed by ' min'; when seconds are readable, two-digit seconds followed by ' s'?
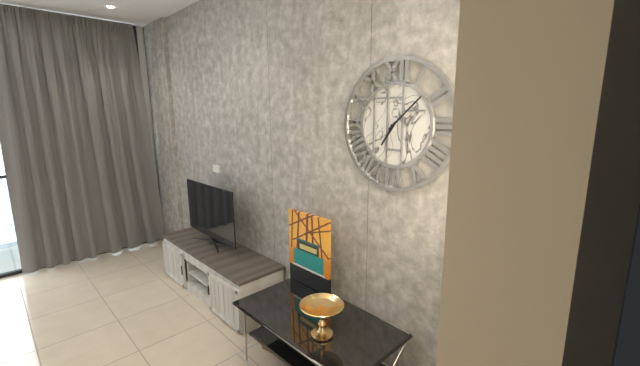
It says 7 h 08 min
